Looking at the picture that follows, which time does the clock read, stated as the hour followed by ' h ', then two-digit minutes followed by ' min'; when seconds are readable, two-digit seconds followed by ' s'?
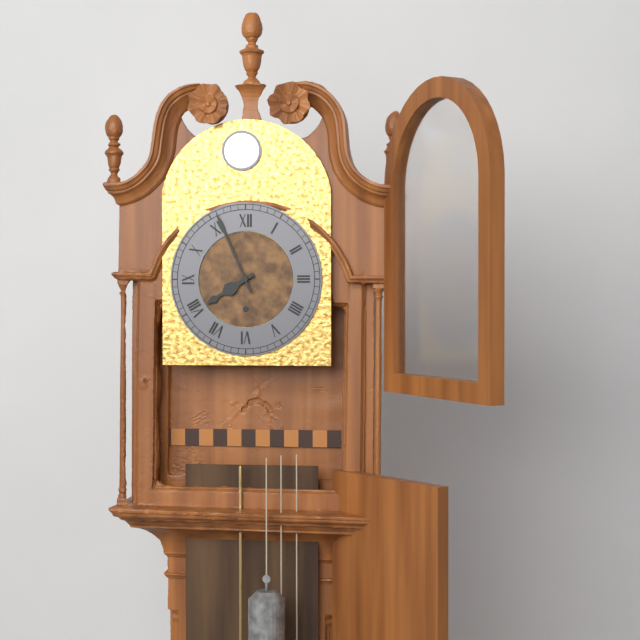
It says 7 h 56 min
